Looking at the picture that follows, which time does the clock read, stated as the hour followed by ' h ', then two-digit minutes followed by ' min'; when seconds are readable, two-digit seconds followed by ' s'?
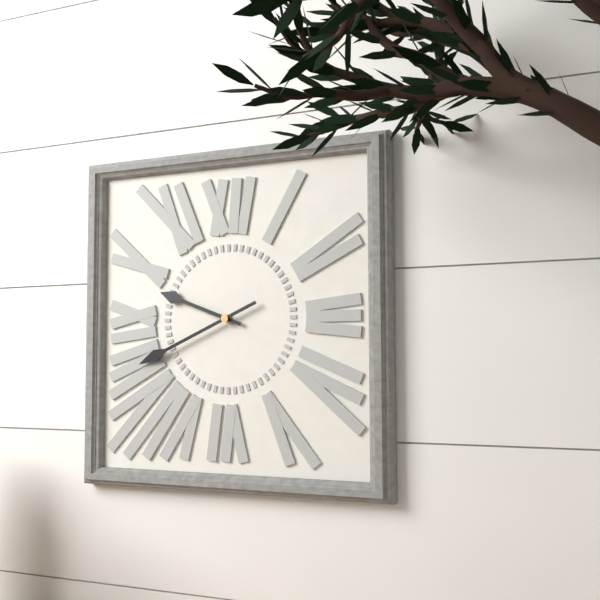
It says 9 h 41 min
